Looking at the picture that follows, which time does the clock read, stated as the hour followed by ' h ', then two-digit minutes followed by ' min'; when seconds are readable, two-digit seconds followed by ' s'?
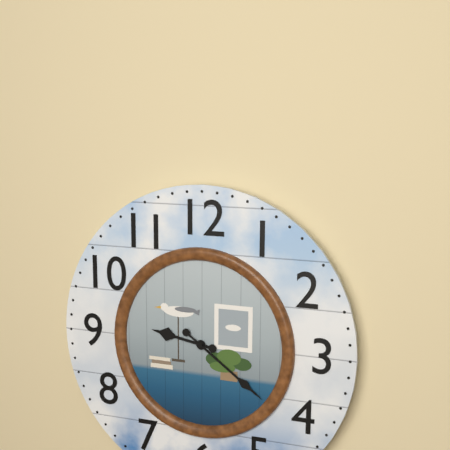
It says 9 h 21 min
